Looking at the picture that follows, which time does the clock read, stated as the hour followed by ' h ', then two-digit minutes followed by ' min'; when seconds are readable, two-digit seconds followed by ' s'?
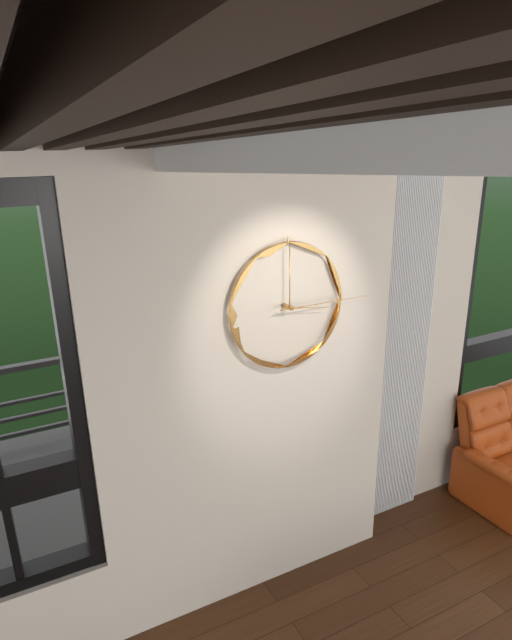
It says 3 h 15 min
